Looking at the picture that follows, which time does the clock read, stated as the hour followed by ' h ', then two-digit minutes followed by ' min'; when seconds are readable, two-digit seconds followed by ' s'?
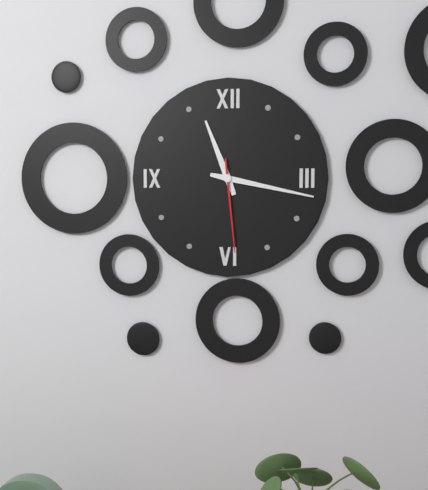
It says 11 h 17 min 29 s
